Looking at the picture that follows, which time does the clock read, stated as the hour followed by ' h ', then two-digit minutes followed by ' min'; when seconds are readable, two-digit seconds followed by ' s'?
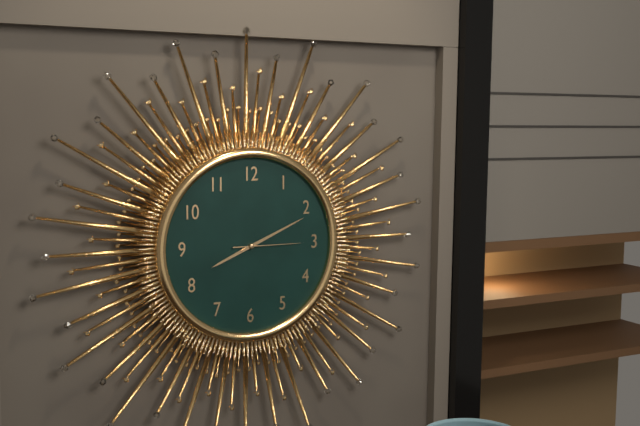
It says 8 h 11 min 15 s
